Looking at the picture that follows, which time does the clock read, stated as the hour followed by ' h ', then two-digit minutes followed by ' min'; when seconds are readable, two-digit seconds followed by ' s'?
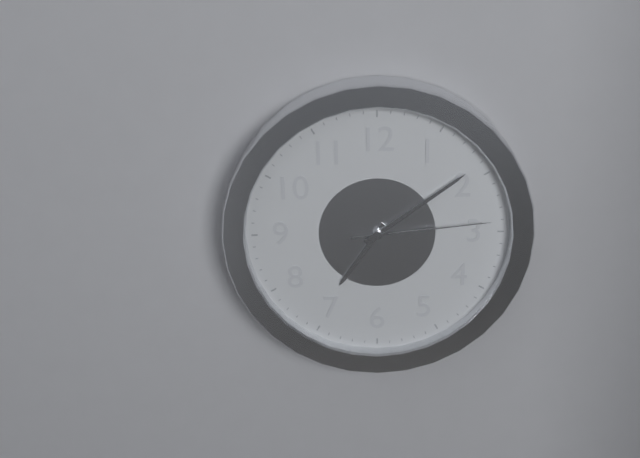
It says 7 h 09 min 14 s
